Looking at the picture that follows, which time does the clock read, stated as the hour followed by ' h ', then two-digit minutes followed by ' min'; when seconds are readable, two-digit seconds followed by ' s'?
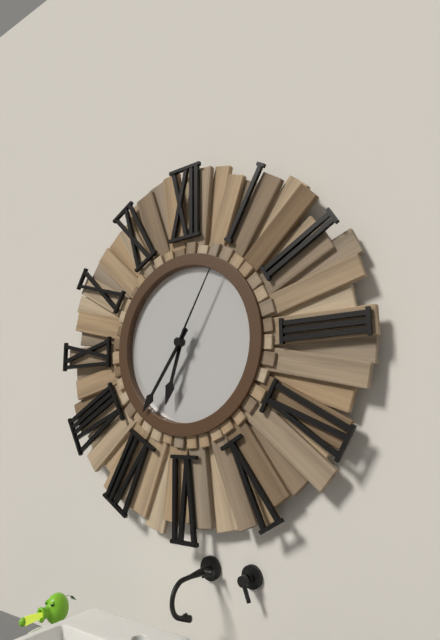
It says 6 h 36 min 05 s
